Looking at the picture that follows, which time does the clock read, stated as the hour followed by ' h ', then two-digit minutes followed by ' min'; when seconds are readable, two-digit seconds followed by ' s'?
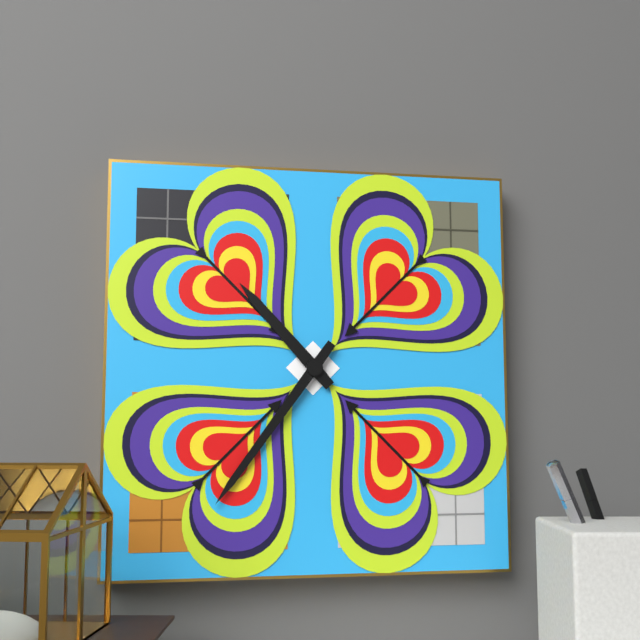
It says 10 h 36 min
